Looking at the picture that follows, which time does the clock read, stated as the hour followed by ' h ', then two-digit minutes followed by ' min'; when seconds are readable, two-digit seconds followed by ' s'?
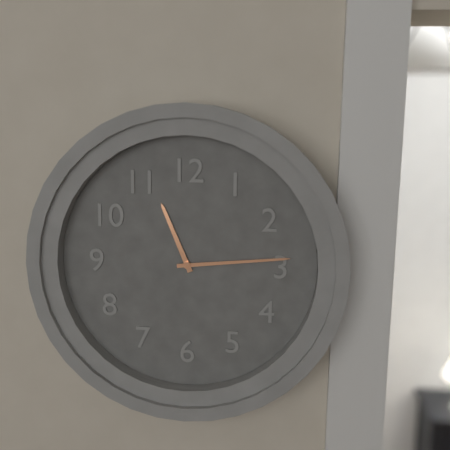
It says 11 h 14 min
